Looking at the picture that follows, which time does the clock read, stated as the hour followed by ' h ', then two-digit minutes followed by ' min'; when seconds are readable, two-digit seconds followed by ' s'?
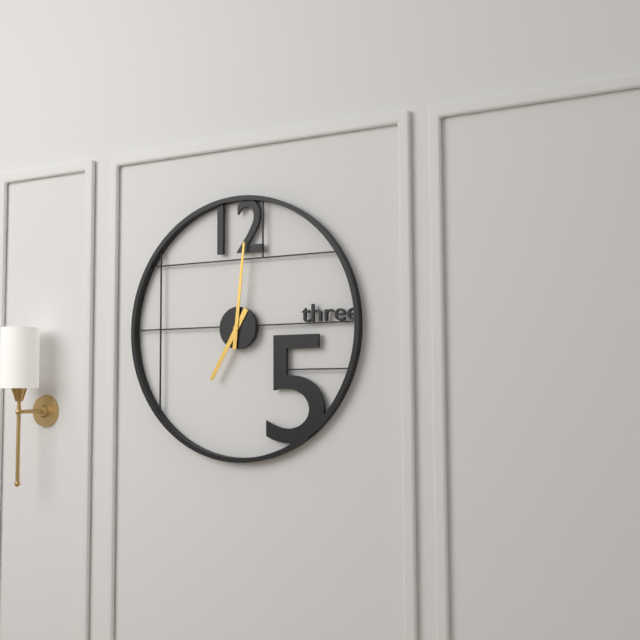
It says 7 h 01 min
